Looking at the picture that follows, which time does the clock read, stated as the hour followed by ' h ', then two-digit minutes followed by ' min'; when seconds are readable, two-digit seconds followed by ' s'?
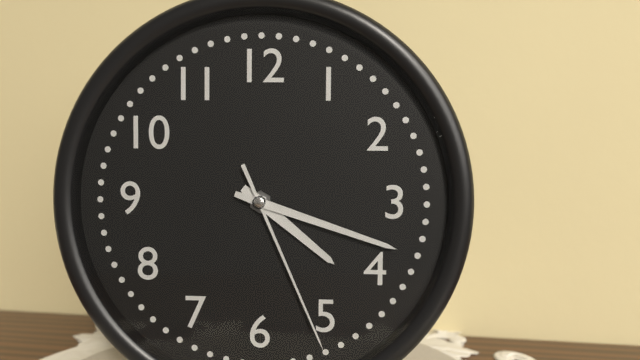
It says 4 h 18 min 26 s
